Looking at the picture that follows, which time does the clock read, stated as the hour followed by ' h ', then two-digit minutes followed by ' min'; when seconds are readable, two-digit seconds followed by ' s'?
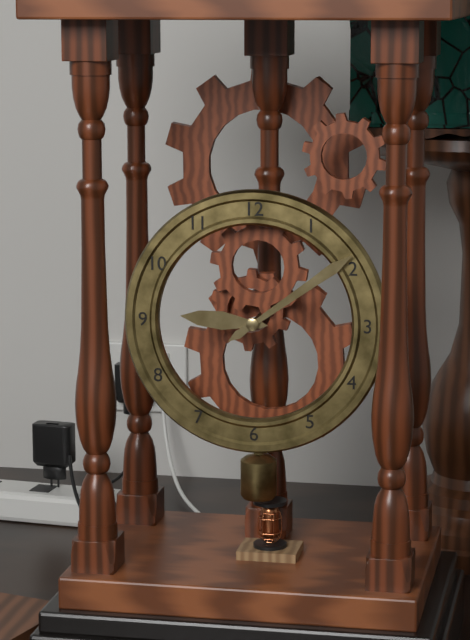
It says 9 h 09 min
